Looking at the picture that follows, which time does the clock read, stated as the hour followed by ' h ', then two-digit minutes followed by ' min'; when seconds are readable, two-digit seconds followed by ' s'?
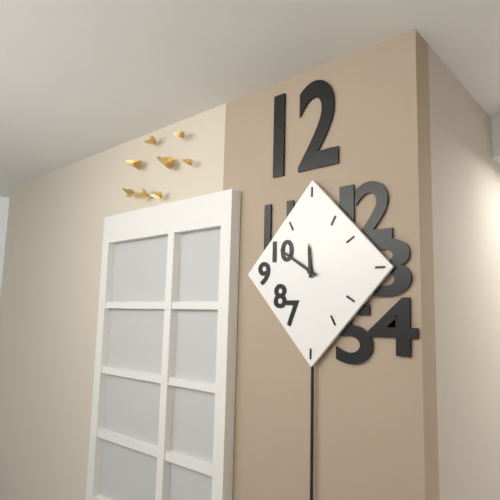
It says 11 h 50 min
